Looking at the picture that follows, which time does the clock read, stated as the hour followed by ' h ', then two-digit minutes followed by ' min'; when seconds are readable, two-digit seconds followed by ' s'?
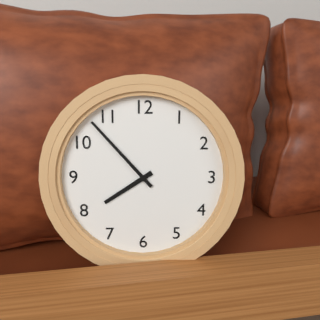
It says 7 h 53 min
